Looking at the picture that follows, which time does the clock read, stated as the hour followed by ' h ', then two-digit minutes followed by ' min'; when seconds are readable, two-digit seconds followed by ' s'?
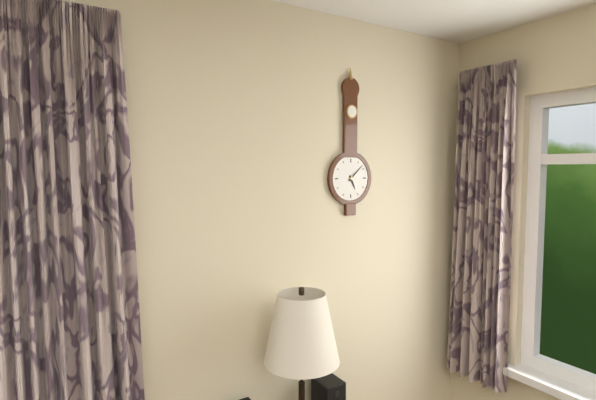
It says 5 h 08 min
